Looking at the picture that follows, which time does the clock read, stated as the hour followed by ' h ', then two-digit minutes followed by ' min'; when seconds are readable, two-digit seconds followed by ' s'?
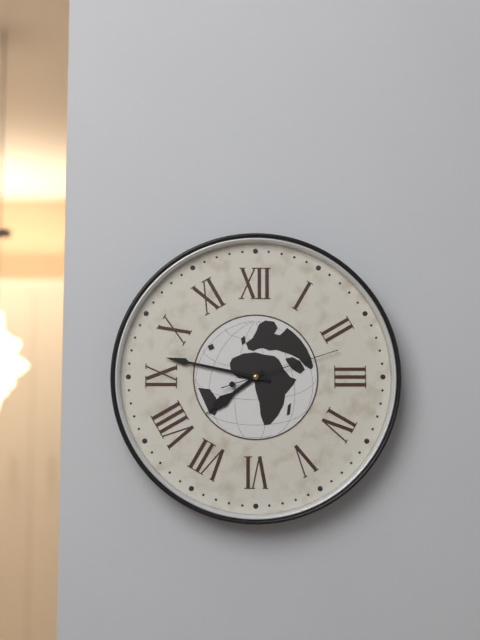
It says 7 h 47 min 12 s
